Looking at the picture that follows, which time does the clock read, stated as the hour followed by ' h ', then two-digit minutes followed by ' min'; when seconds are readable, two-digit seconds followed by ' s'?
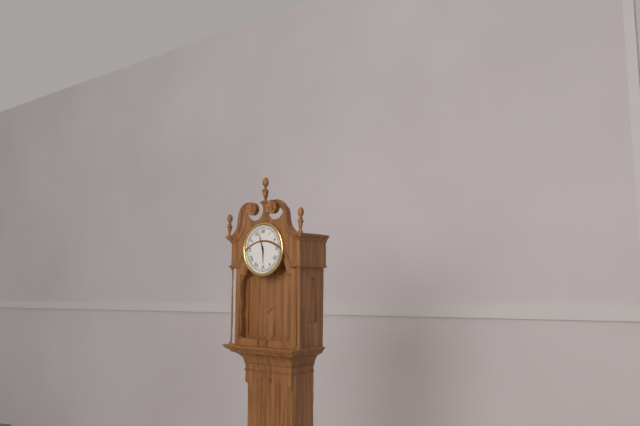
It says 5 h 57 min
